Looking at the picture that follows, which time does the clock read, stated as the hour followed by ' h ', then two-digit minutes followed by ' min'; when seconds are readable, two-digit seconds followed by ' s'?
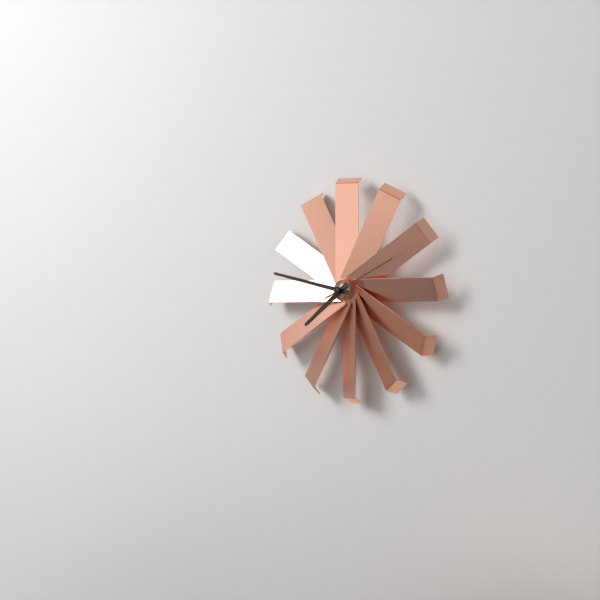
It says 7 h 47 min 11 s
